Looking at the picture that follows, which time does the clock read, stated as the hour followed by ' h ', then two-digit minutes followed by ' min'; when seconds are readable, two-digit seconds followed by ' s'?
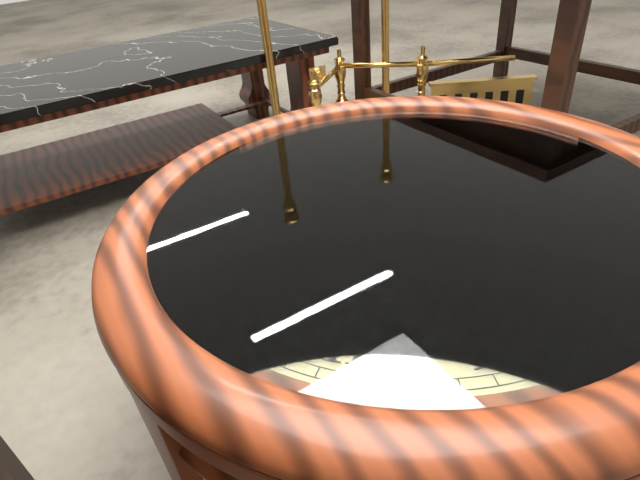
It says 8 h 19 min 04 s
